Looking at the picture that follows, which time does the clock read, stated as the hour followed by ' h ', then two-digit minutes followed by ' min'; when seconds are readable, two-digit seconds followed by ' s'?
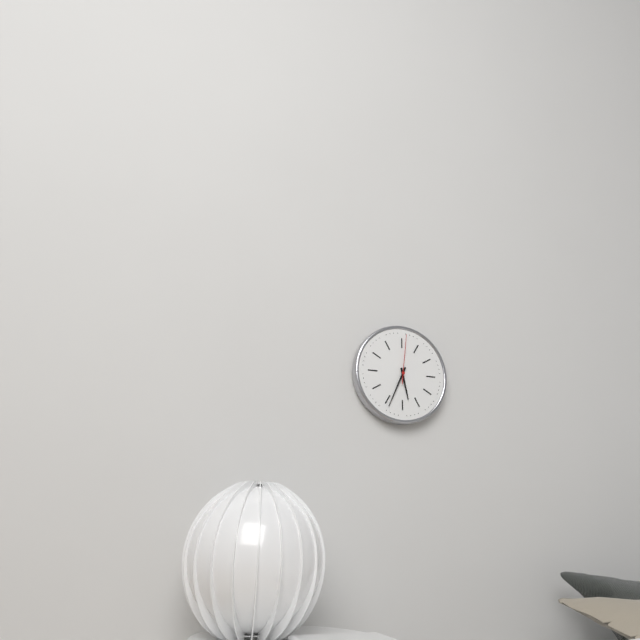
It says 5 h 34 min
